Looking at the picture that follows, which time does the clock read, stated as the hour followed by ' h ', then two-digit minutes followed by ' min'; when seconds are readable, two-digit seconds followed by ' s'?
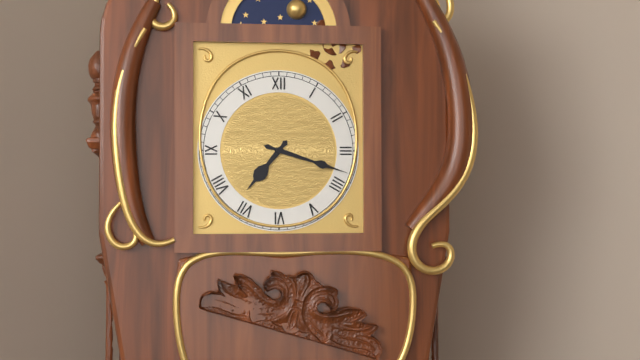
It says 7 h 18 min
